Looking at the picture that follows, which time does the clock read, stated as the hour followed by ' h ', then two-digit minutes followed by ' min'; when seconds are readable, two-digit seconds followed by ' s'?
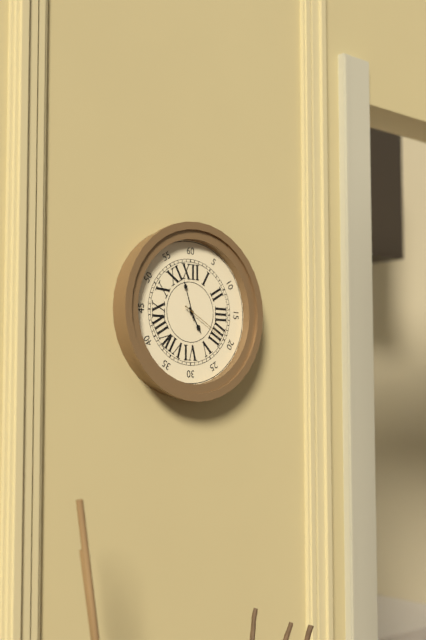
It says 4 h 57 min
